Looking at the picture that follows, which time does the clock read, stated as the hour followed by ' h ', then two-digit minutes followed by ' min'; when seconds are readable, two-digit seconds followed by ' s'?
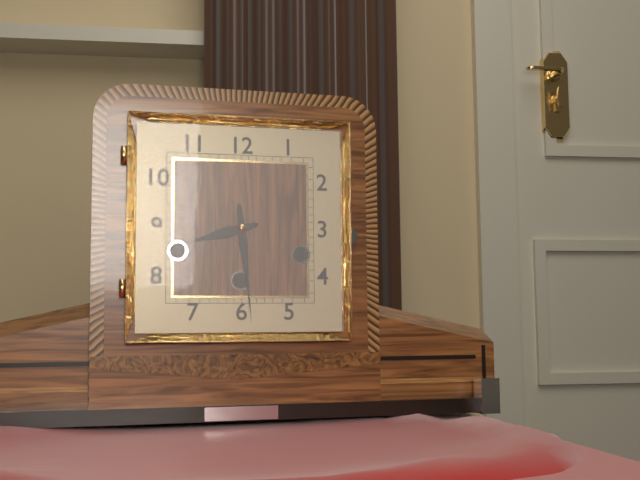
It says 8 h 29 min
